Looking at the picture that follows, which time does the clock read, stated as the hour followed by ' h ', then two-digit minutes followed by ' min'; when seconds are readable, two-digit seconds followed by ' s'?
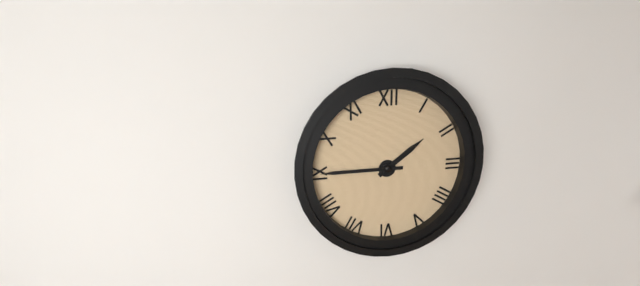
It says 1 h 45 min
